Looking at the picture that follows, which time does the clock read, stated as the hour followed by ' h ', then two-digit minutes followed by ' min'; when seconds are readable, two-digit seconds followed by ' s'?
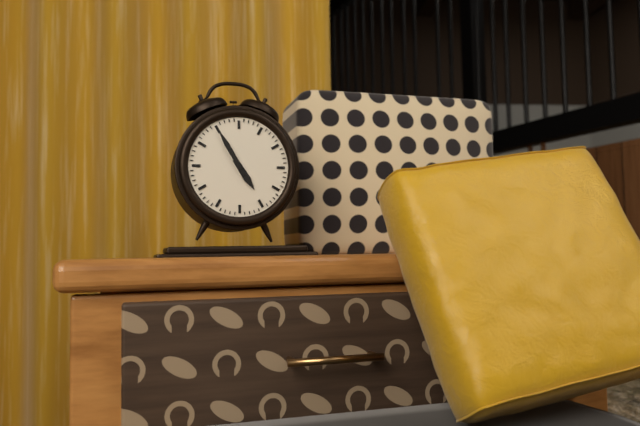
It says 4 h 55 min
